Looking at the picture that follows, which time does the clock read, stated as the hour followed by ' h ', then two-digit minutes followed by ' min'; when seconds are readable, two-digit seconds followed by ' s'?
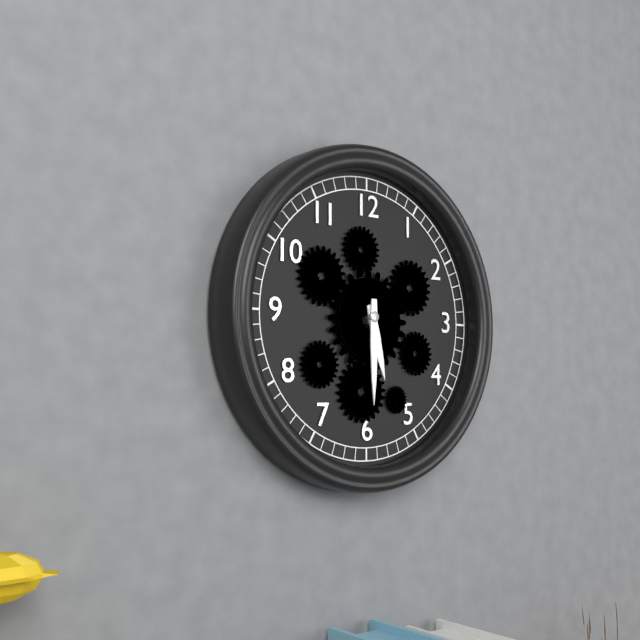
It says 5 h 30 min
